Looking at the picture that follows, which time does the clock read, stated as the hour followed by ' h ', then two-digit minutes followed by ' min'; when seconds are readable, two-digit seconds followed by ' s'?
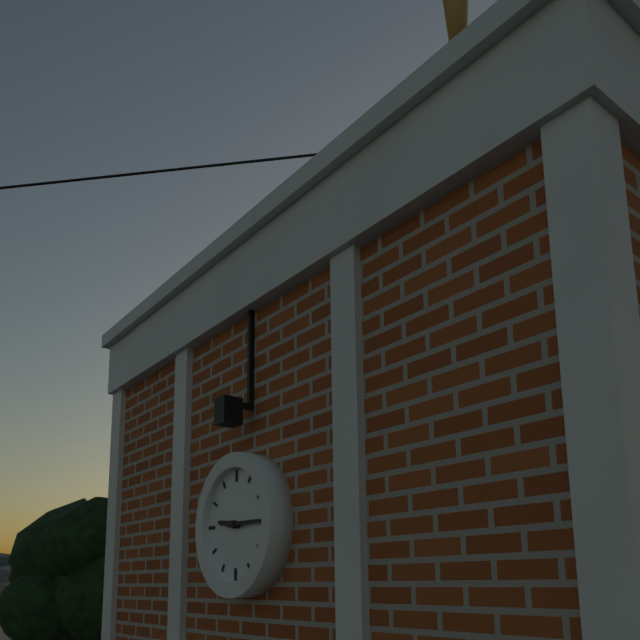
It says 9 h 15 min
